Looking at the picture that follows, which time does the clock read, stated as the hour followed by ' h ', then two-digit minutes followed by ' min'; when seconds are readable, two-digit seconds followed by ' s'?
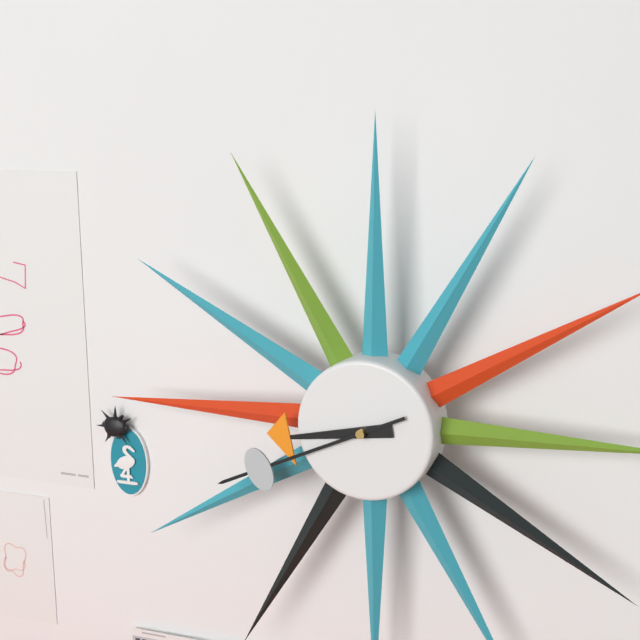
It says 8 h 41 min
